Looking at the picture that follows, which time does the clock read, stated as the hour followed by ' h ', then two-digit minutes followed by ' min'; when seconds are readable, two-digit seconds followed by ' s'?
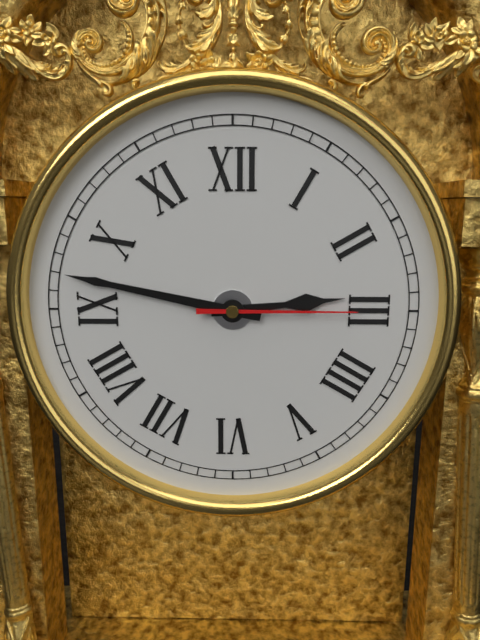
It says 2 h 47 min 15 s
